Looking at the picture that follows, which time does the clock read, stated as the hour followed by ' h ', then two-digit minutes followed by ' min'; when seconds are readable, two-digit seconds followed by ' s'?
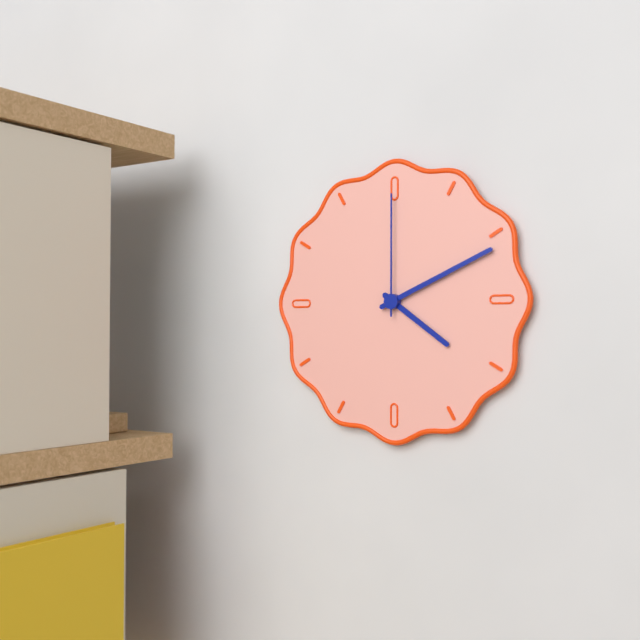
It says 4 h 11 min 00 s
